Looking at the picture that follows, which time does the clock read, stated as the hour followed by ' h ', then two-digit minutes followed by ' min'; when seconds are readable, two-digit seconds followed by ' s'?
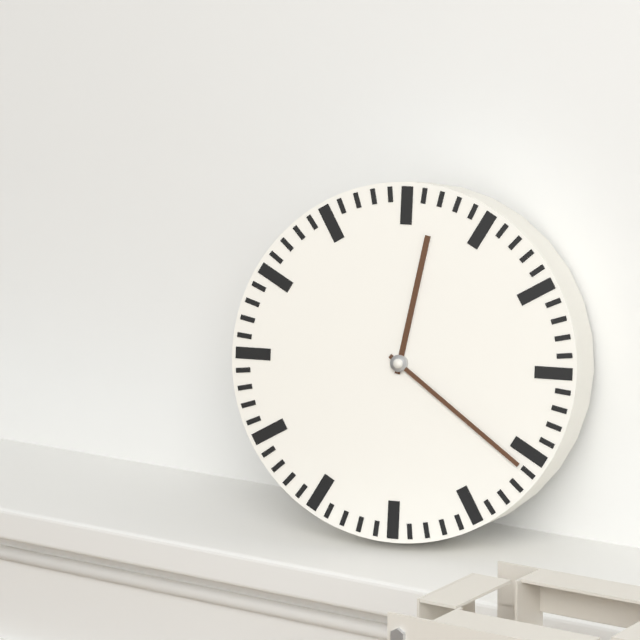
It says 12 h 21 min
